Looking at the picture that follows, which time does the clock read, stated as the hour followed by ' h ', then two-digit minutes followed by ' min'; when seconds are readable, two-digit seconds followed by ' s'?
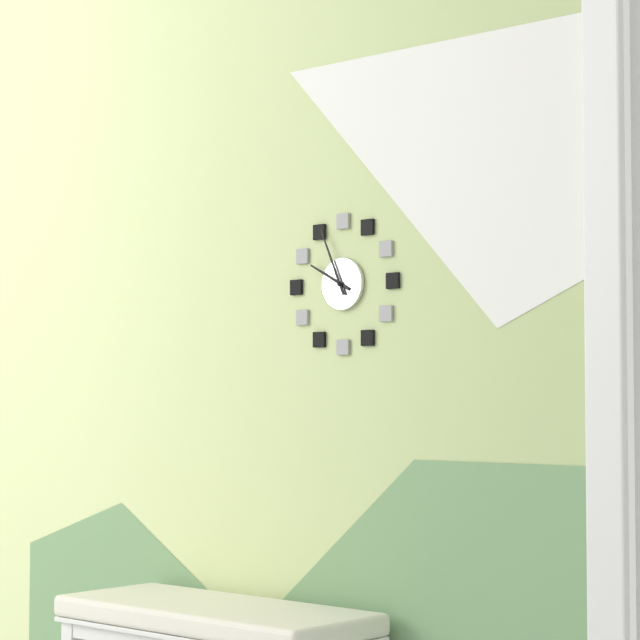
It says 9 h 56 min
